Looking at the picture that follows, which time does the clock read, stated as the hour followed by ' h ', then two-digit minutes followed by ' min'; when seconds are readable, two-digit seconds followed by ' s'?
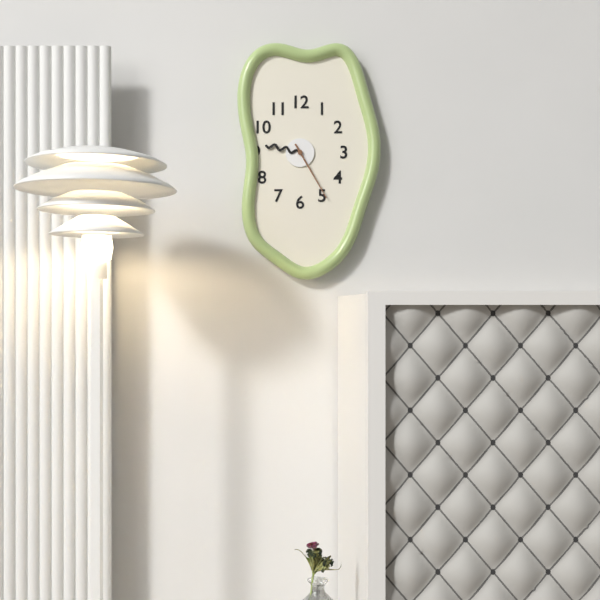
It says 9 h 25 min
